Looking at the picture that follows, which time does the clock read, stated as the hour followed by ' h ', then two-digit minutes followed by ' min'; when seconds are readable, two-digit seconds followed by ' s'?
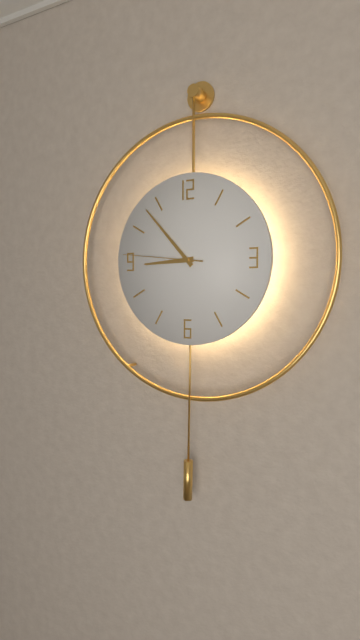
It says 8 h 53 min 46 s
